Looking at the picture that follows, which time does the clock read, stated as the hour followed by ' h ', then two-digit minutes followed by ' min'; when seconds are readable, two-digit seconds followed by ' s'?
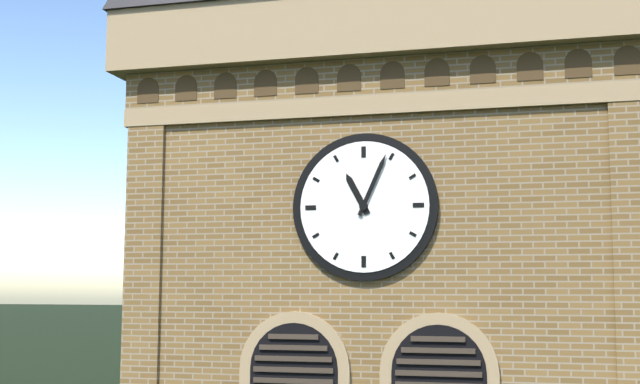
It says 11 h 04 min
